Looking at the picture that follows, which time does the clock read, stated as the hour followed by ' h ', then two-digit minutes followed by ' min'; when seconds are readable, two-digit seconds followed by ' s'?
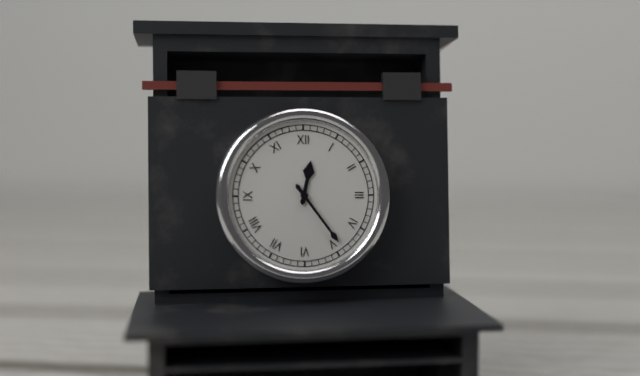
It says 12 h 24 min
